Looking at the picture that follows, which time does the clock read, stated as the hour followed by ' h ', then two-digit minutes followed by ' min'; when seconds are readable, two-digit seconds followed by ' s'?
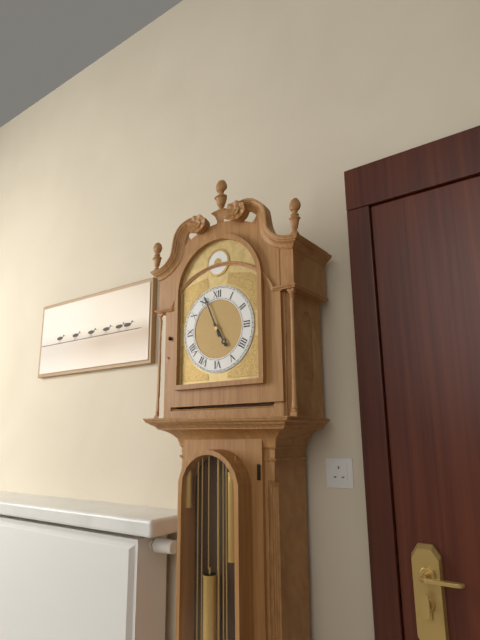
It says 4 h 56 min
